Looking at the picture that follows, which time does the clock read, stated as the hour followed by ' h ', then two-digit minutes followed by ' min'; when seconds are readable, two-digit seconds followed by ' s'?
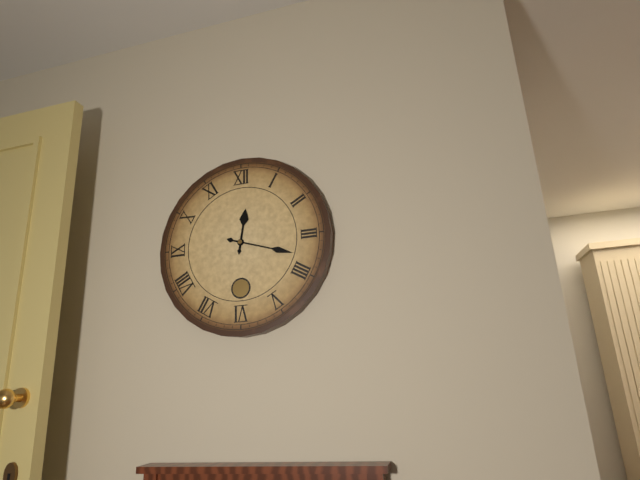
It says 12 h 18 min
